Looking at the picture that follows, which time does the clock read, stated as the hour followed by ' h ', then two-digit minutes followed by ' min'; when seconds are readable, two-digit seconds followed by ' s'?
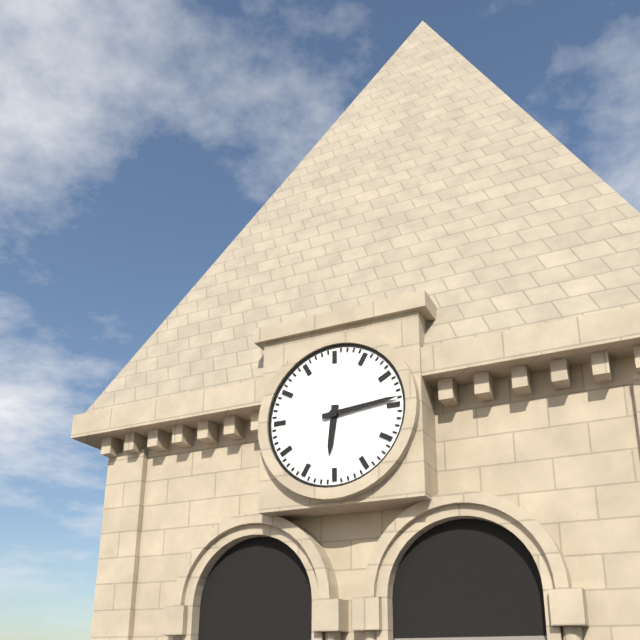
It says 6 h 14 min
